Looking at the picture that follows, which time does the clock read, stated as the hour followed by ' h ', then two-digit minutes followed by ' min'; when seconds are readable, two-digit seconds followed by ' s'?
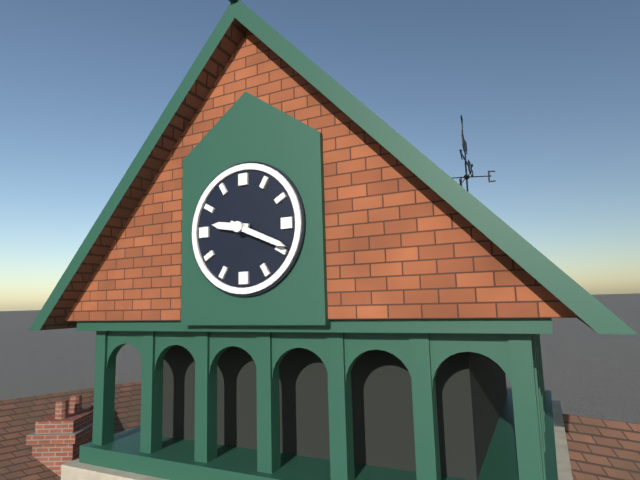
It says 9 h 19 min
